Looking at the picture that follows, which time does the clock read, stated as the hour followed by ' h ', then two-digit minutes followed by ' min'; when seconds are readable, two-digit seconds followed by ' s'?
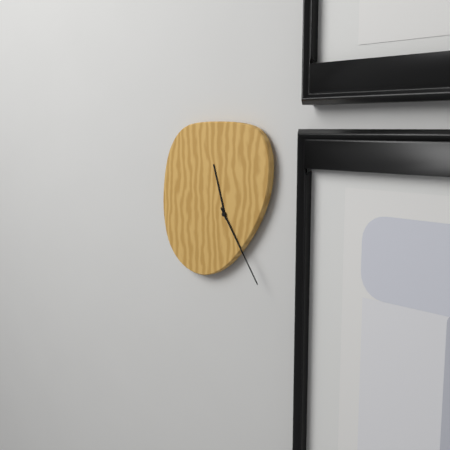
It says 11 h 24 min
